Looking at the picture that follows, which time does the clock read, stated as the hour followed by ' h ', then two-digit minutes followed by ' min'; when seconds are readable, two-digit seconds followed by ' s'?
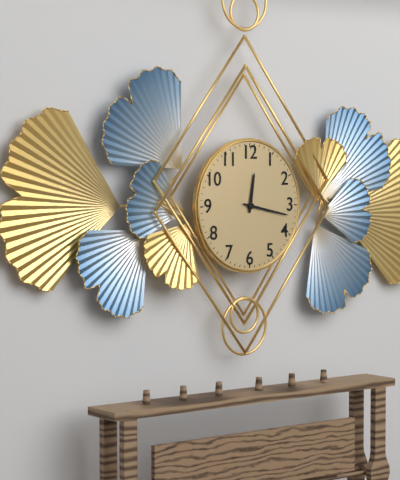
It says 12 h 17 min
